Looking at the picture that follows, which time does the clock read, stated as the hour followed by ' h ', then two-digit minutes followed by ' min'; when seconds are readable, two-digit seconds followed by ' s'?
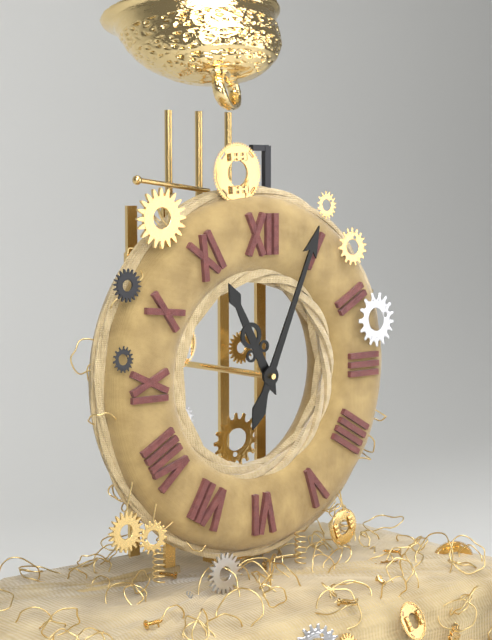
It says 11 h 04 min
